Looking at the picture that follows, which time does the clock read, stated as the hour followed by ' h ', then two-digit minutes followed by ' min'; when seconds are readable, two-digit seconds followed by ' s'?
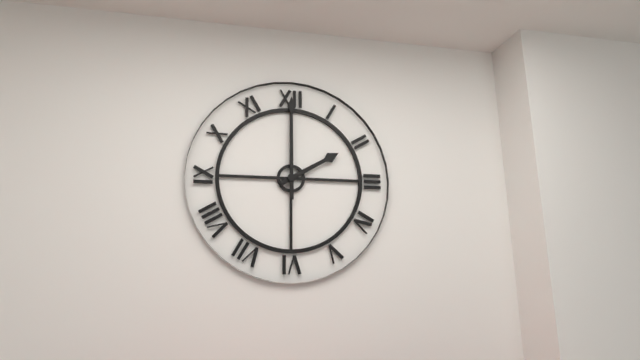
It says 2 h 00 min
